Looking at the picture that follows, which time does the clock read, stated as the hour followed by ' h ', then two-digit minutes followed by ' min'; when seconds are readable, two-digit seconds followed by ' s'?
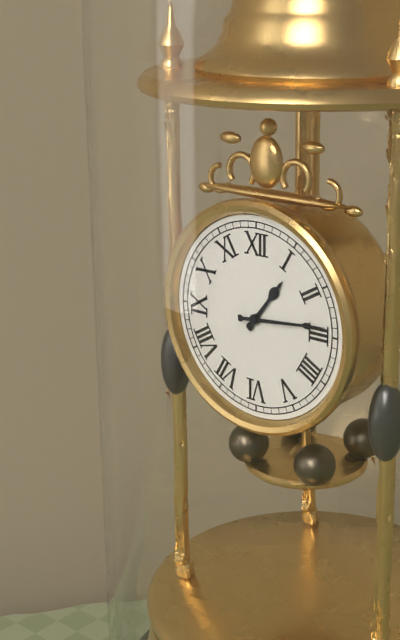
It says 1 h 14 min
